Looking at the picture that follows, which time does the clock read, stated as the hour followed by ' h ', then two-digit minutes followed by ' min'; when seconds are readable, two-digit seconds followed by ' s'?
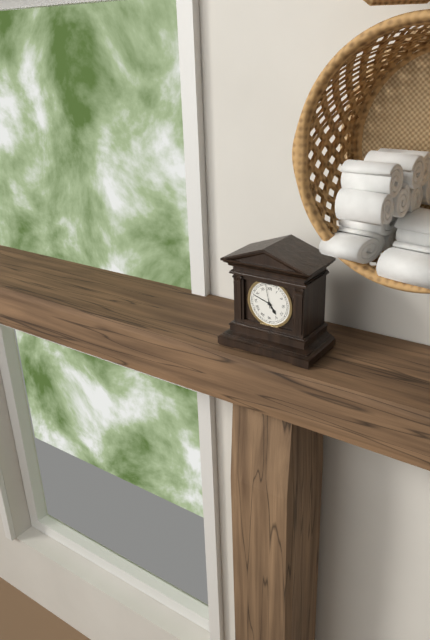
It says 4 h 48 min
